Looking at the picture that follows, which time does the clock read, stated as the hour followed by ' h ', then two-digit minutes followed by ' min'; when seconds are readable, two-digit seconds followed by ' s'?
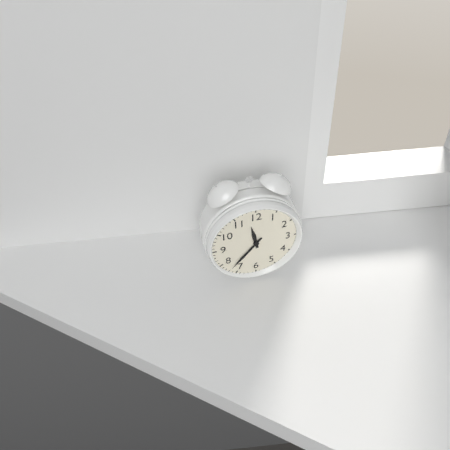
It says 11 h 37 min
